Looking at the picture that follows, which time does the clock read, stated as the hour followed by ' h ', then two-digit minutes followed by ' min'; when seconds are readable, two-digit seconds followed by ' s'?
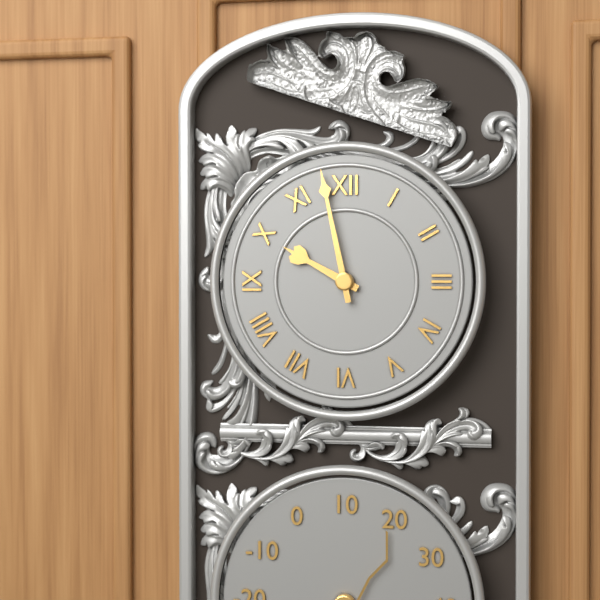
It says 9 h 58 min
